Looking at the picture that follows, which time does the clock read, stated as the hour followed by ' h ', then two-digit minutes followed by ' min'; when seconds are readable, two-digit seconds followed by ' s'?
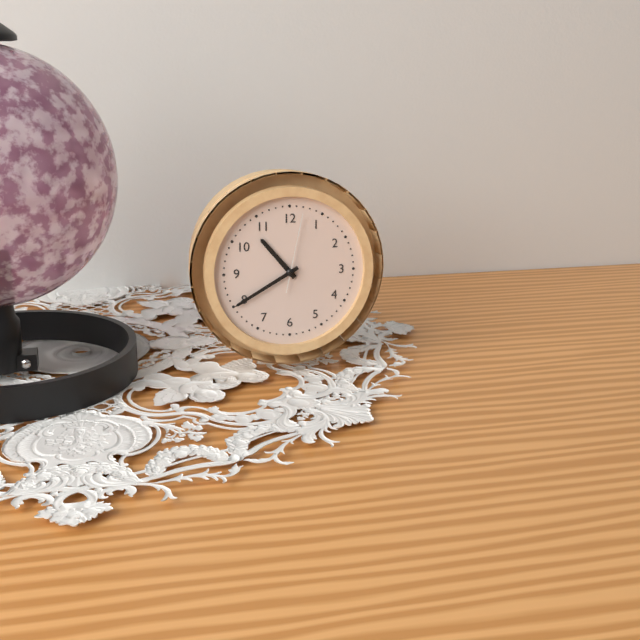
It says 10 h 40 min 02 s
